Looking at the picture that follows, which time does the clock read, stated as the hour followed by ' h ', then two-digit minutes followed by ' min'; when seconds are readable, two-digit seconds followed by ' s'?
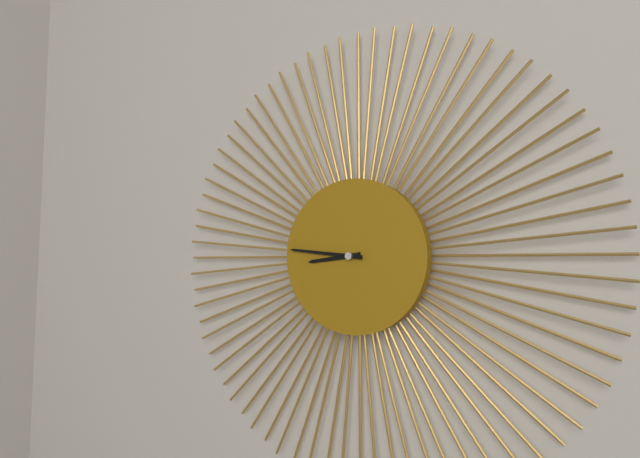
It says 8 h 46 min
